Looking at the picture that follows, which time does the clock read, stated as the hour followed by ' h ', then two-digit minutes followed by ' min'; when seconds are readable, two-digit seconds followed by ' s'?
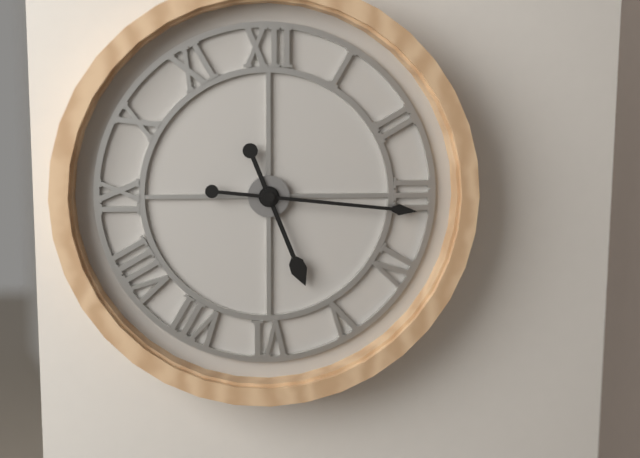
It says 5 h 16 min
